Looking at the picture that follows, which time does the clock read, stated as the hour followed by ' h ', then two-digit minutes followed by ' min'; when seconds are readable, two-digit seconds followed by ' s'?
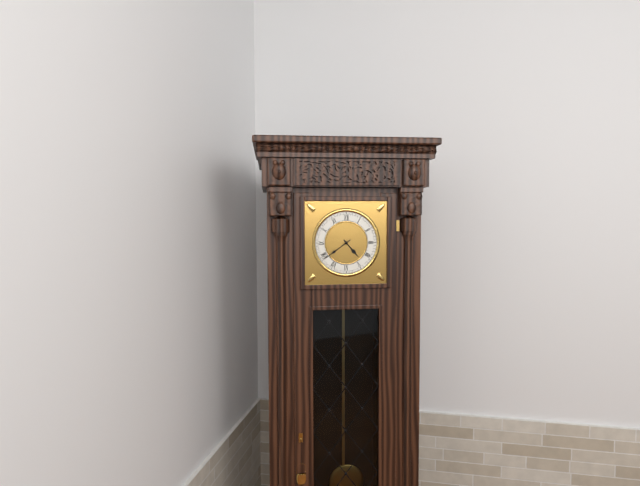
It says 4 h 39 min
